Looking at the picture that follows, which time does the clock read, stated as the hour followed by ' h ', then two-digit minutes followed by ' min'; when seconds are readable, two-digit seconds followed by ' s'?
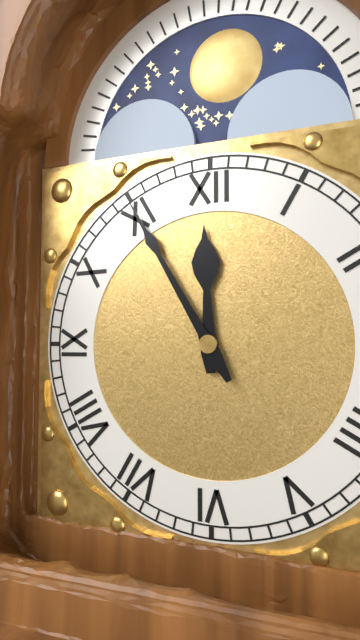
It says 11 h 55 min
